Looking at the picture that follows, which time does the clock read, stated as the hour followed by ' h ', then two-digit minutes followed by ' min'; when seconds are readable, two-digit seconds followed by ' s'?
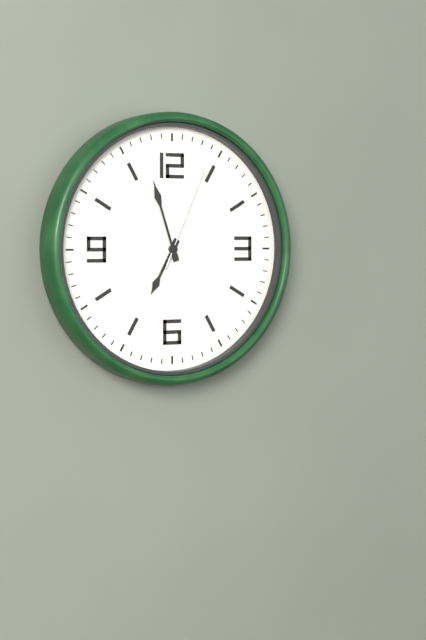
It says 6 h 57 min 04 s
